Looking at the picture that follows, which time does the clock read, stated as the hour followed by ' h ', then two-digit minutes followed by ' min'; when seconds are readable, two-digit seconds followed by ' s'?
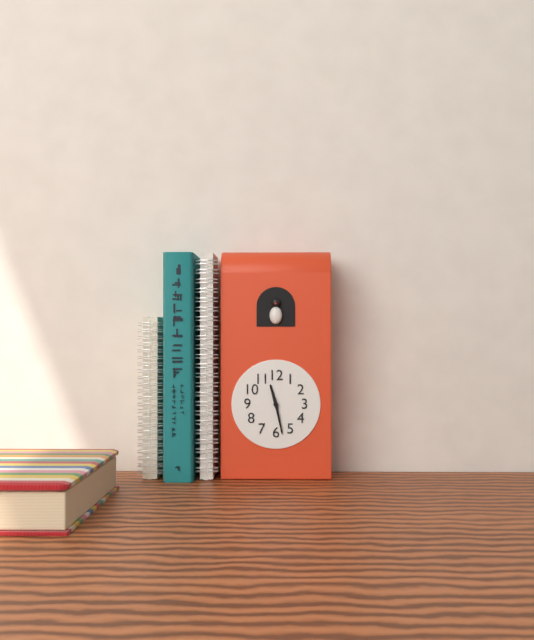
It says 11 h 28 min
